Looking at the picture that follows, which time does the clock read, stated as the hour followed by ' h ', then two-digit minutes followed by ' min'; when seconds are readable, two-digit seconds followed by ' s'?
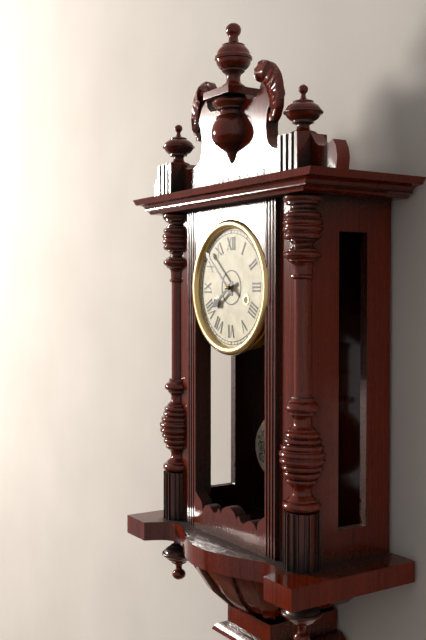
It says 7 h 52 min
